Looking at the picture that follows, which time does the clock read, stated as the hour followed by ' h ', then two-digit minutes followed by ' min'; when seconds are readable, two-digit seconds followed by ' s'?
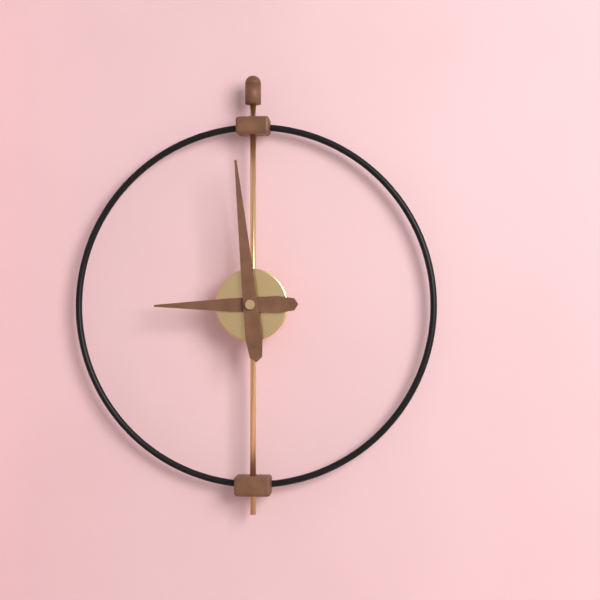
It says 8 h 59 min
